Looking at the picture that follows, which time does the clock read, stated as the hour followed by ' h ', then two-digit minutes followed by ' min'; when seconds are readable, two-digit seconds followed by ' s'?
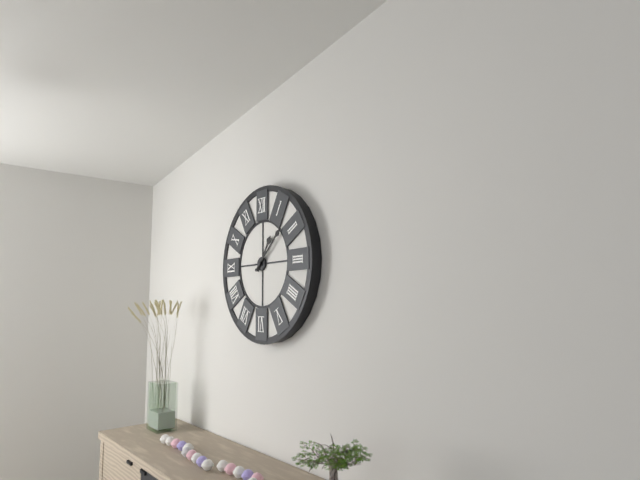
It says 1 h 08 min
